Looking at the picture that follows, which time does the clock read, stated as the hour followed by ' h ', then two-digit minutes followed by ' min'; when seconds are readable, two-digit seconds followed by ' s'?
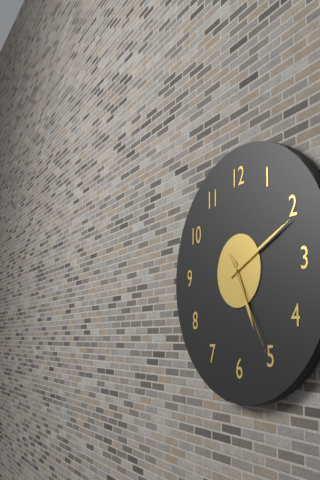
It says 5 h 11 min 25 s
